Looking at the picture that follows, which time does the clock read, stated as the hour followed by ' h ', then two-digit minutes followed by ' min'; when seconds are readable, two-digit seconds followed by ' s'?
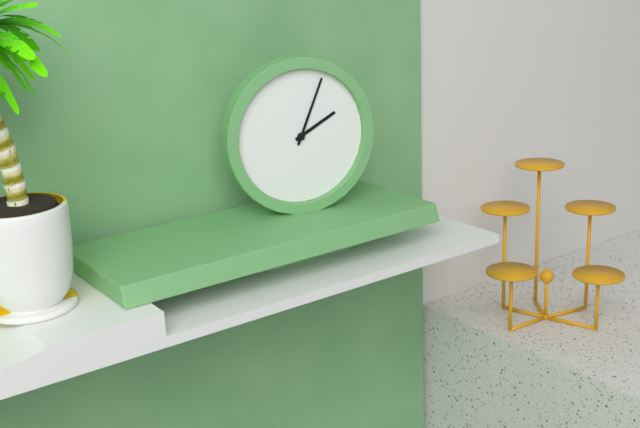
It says 2 h 04 min
